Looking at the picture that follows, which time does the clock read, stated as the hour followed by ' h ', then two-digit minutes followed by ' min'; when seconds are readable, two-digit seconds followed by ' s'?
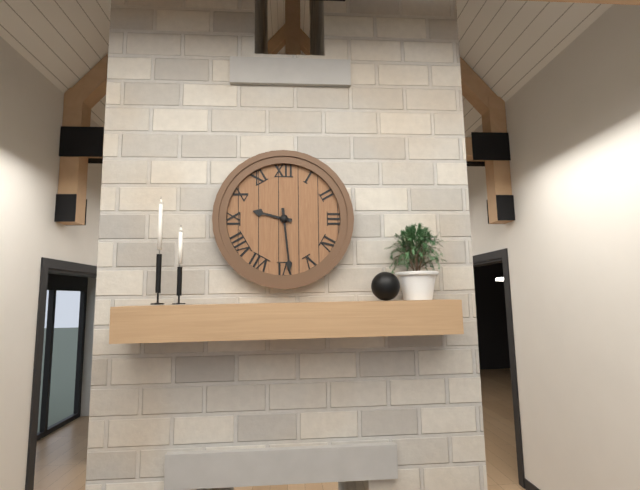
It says 9 h 29 min
